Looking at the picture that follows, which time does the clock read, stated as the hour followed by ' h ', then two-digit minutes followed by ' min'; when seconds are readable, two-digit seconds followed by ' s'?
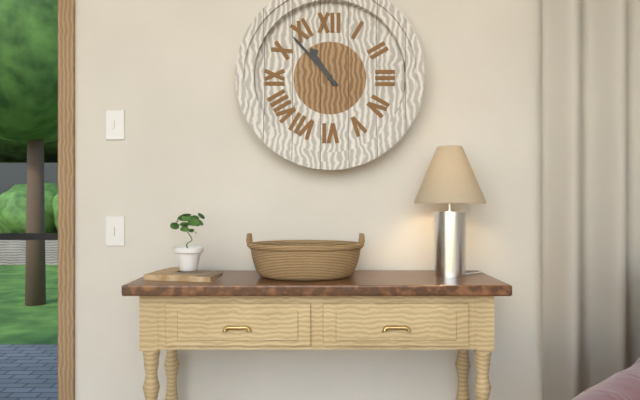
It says 10 h 53 min
